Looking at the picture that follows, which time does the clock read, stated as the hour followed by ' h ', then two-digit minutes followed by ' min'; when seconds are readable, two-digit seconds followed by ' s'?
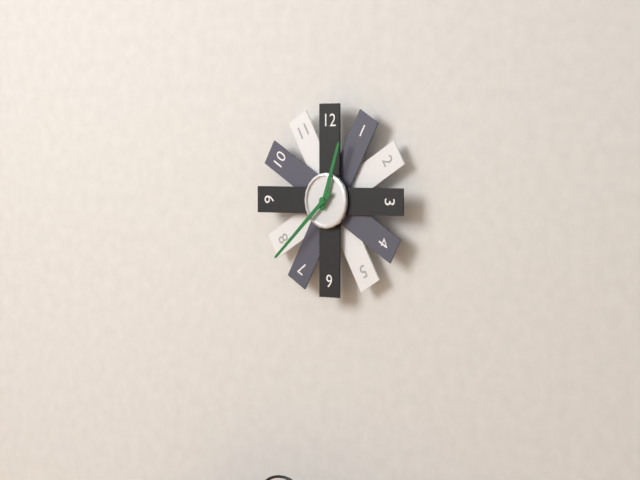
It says 12 h 38 min
